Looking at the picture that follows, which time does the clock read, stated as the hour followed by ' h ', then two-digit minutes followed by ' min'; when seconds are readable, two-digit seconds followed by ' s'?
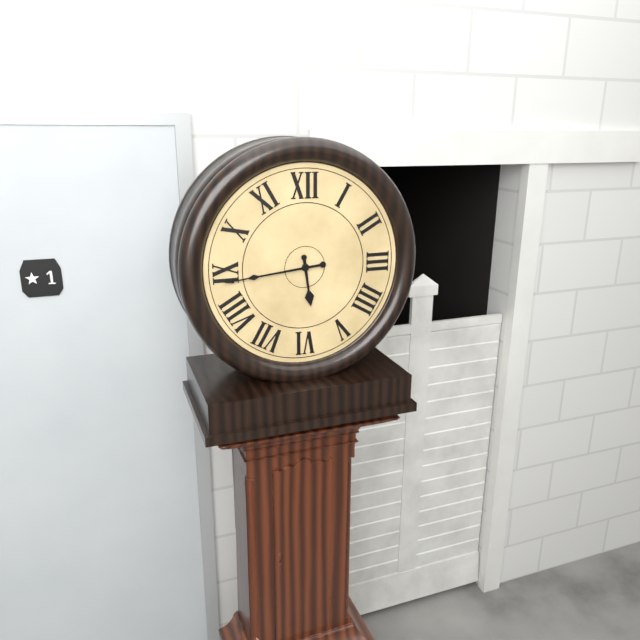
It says 5 h 44 min
